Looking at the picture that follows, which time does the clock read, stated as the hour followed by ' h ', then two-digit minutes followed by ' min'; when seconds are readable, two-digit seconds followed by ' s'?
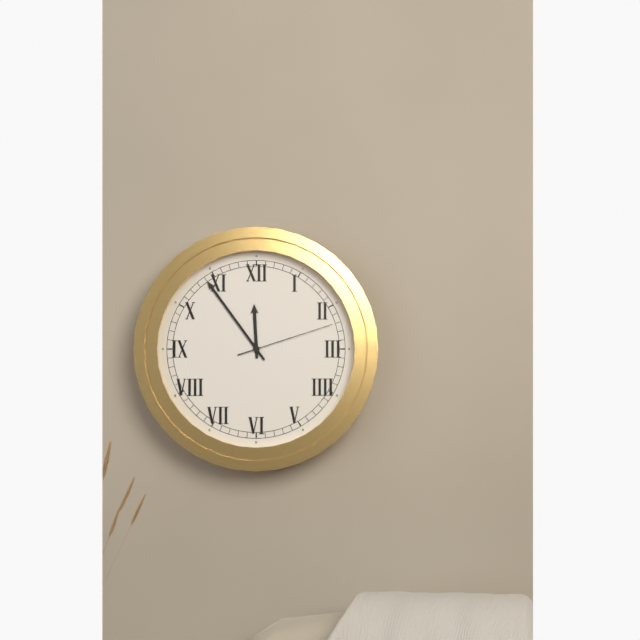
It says 11 h 54 min 12 s
